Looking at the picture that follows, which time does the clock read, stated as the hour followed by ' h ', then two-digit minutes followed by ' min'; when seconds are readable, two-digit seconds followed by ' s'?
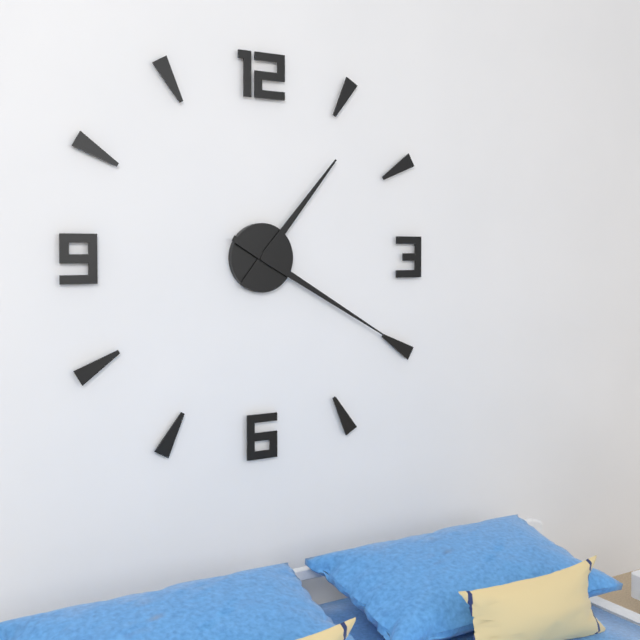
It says 1 h 20 min
